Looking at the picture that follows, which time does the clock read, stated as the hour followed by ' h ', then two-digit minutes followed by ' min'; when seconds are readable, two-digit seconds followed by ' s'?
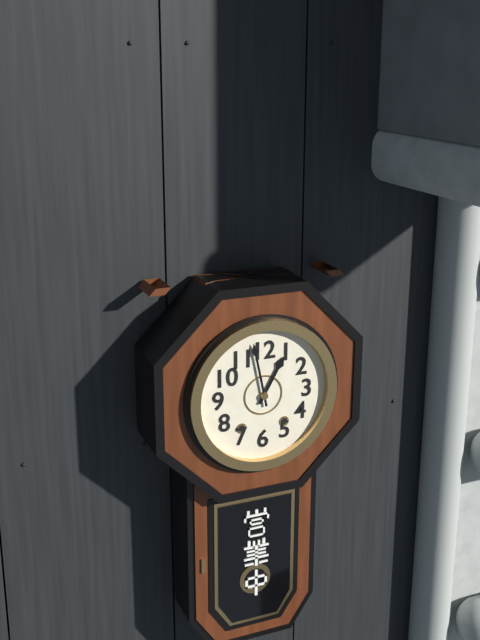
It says 12 h 58 min
